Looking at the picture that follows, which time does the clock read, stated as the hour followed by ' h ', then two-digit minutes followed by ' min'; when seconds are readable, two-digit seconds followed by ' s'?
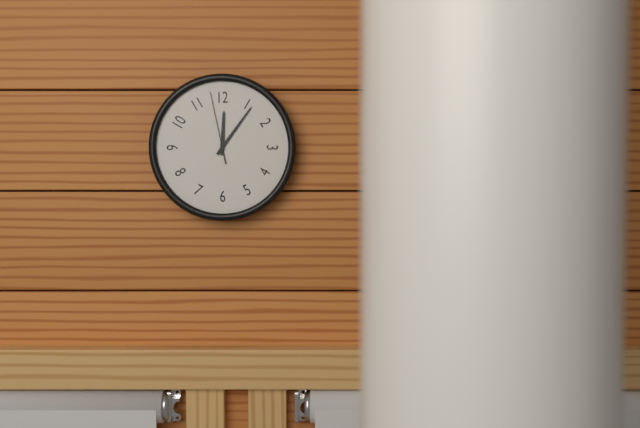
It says 12 h 06 min 58 s
